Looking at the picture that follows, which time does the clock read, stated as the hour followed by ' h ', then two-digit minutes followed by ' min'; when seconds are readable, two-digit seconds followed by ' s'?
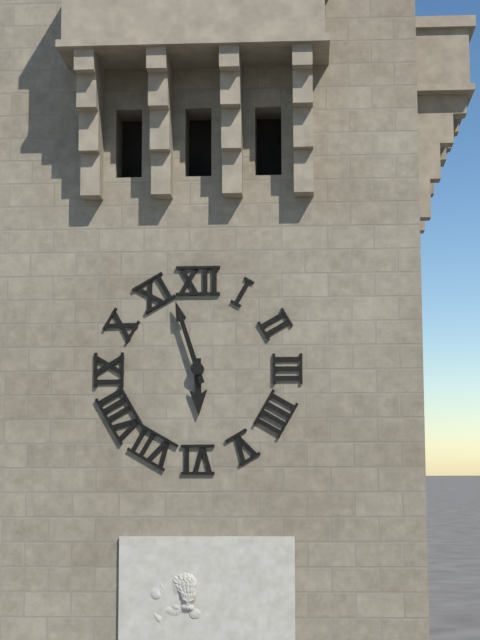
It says 5 h 57 min
